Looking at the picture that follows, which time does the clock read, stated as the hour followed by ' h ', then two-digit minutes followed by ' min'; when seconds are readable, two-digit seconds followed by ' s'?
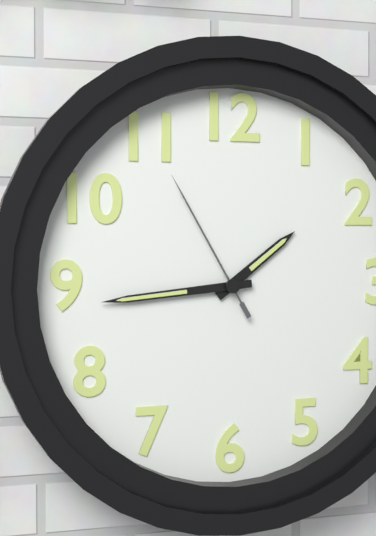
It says 1 h 44 min 55 s
